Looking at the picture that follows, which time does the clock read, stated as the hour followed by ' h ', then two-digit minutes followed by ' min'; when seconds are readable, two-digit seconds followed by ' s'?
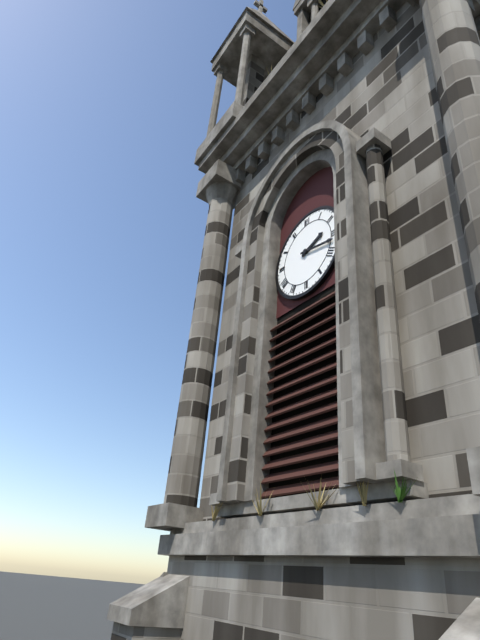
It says 2 h 17 min
